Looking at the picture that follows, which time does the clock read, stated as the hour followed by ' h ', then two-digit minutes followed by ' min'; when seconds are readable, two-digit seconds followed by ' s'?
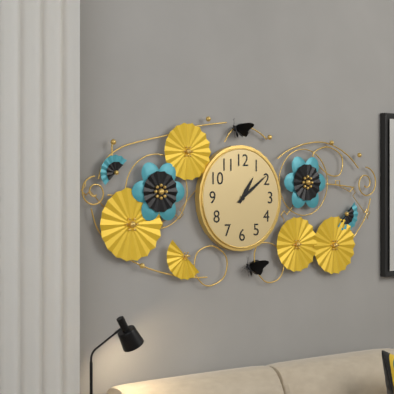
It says 1 h 09 min
